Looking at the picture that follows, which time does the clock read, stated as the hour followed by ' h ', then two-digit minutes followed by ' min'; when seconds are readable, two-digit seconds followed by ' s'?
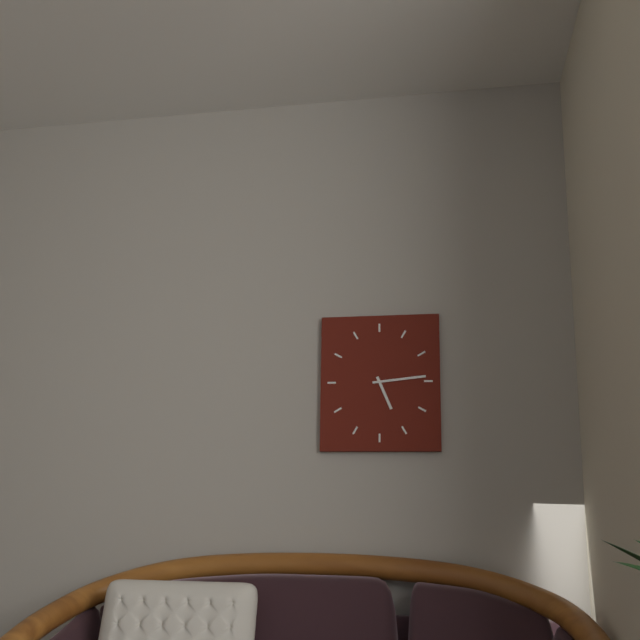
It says 5 h 14 min
